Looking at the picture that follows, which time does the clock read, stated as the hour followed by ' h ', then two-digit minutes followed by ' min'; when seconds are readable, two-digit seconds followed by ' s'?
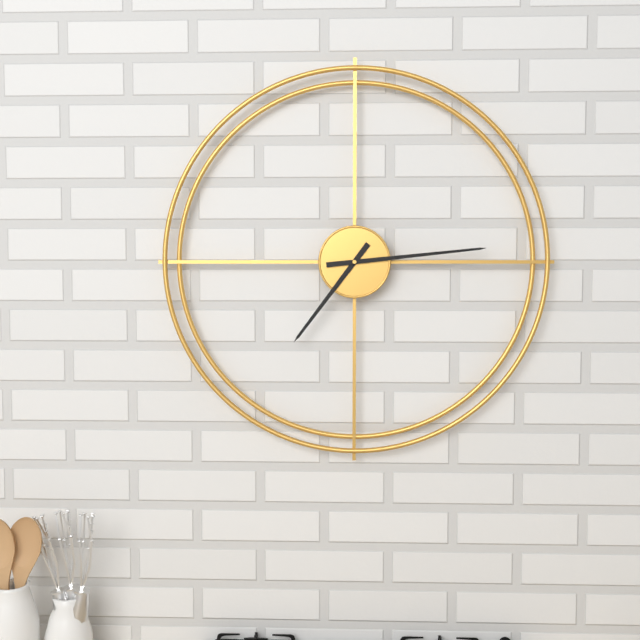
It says 7 h 14 min
